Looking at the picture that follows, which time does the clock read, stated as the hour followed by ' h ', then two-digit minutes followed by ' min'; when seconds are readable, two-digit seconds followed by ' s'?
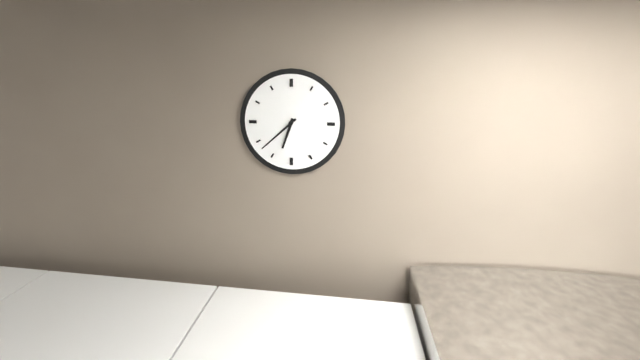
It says 6 h 38 min
